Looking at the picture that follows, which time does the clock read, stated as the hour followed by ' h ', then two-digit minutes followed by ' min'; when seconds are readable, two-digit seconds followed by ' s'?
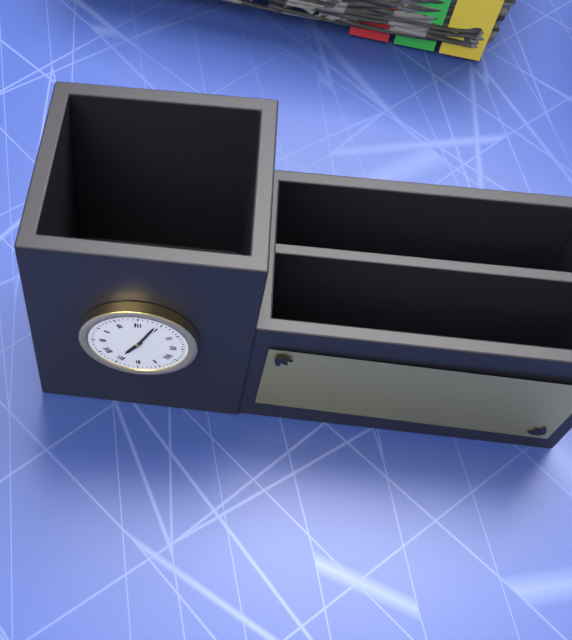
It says 7 h 04 min
